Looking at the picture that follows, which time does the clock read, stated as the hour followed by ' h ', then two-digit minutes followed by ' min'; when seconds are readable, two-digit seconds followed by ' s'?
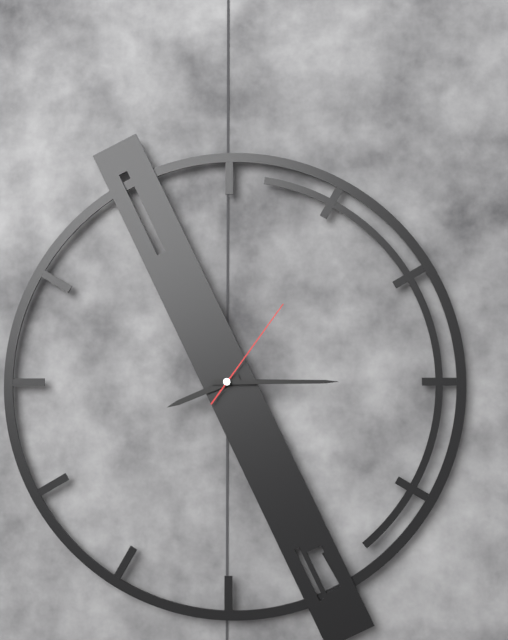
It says 8 h 15 min 06 s
